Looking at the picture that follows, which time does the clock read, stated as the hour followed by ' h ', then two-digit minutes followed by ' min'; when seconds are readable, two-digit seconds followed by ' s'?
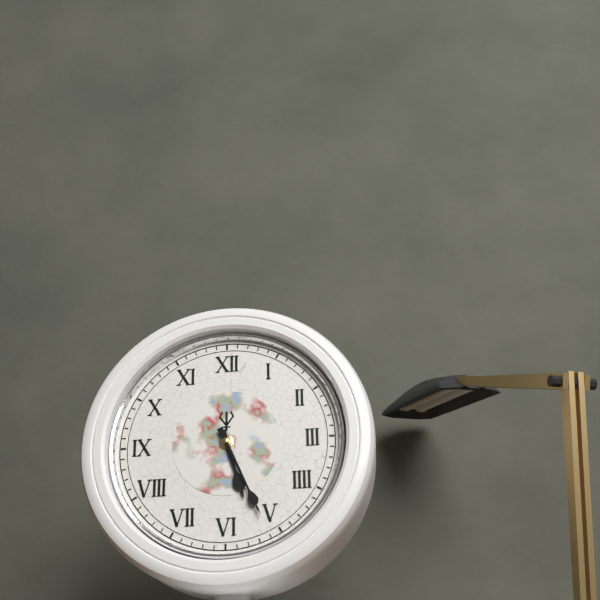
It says 5 h 26 min
